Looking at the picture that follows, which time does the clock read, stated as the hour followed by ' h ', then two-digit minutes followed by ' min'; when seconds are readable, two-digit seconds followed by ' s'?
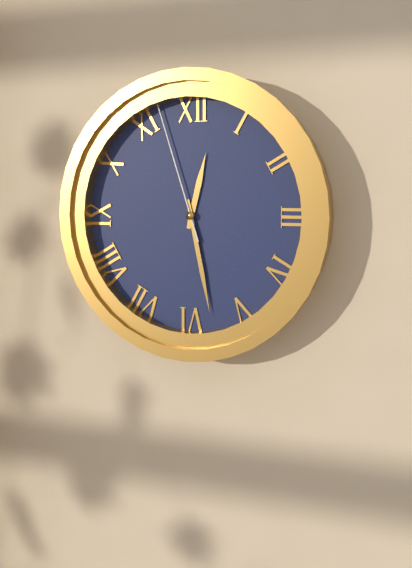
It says 12 h 28 min 57 s
